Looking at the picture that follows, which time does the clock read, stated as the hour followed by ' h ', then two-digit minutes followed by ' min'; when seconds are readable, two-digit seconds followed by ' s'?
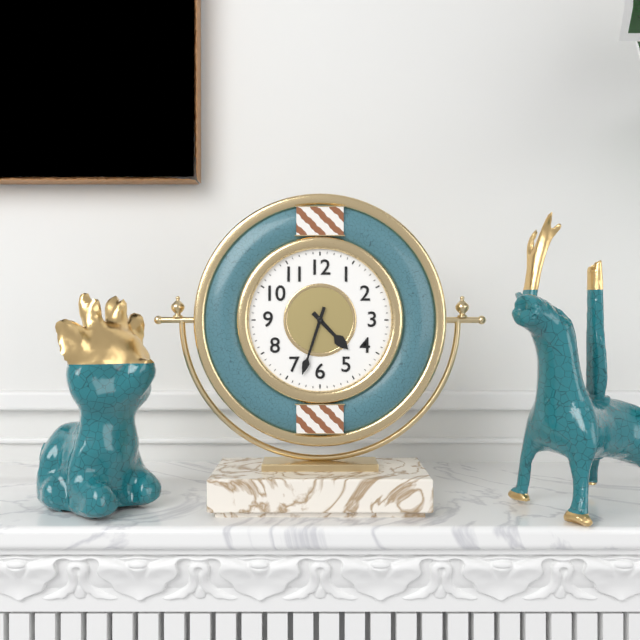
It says 4 h 33 min
